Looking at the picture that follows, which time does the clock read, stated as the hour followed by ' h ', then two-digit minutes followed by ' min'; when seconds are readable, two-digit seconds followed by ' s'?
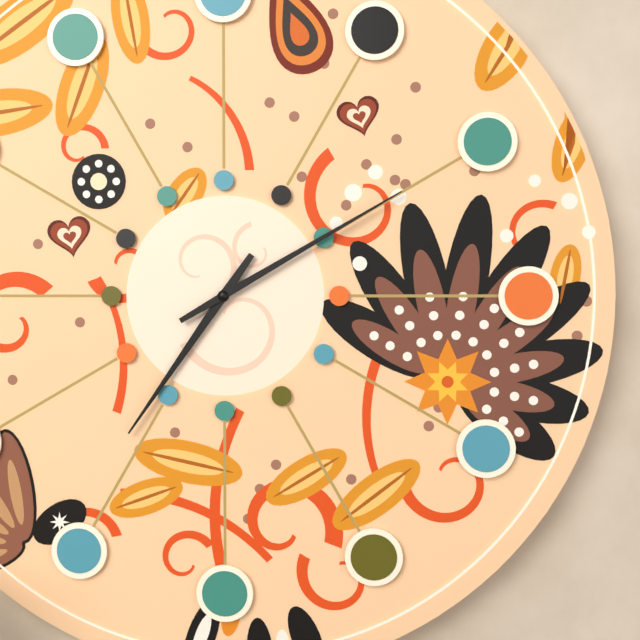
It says 7 h 10 min
